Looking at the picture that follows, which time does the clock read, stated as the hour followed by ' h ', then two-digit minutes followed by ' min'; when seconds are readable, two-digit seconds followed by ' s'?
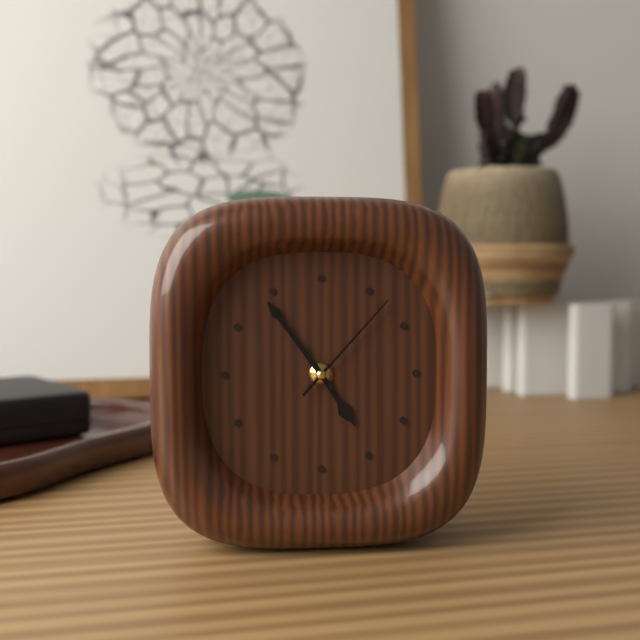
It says 4 h 54 min 07 s
